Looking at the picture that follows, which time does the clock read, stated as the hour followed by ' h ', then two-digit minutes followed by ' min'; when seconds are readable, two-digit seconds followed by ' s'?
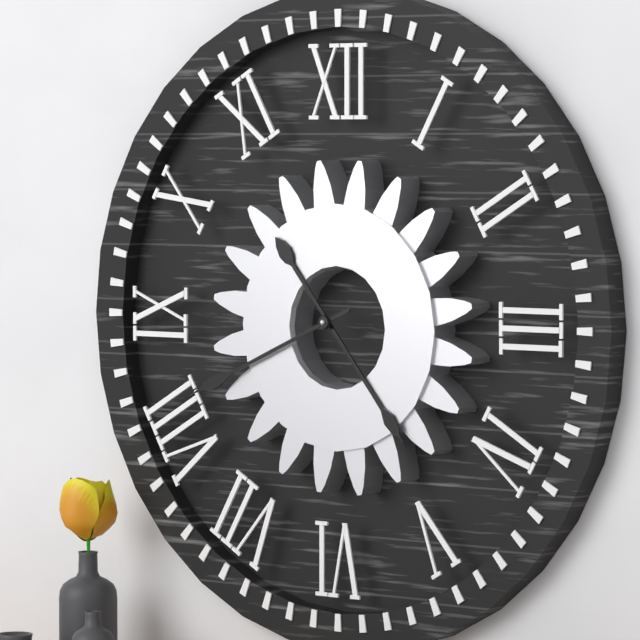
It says 4 h 41 min
